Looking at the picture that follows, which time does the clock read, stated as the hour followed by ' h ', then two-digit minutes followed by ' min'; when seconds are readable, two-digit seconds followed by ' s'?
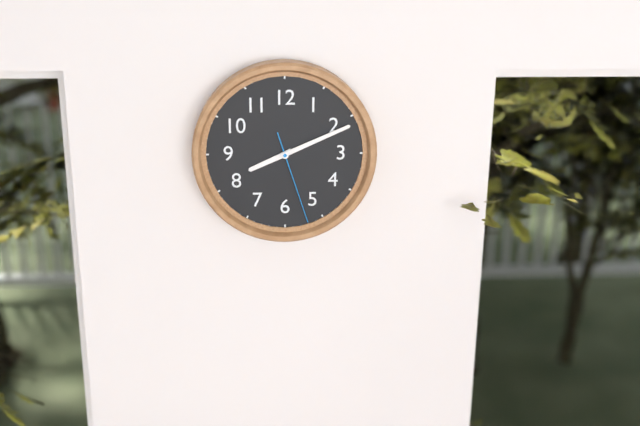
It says 8 h 11 min 27 s
